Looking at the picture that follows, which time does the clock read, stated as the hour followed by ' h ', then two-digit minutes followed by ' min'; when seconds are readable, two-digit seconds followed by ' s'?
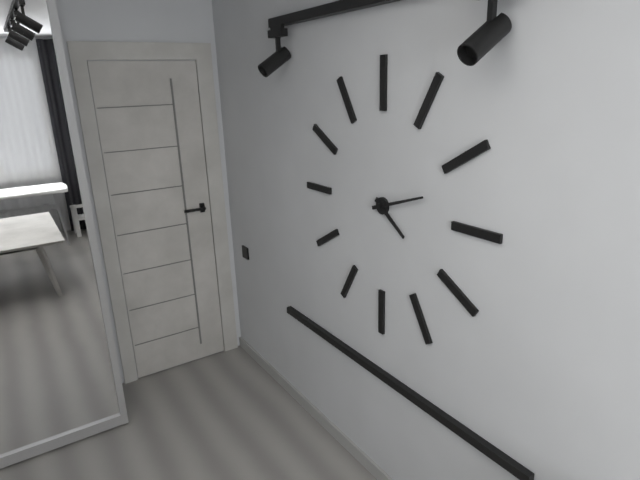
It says 4 h 12 min
